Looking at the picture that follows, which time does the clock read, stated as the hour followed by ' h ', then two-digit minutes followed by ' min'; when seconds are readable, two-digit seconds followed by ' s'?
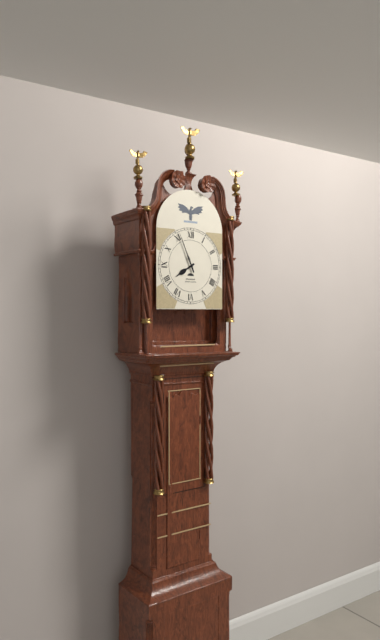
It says 7 h 56 min
